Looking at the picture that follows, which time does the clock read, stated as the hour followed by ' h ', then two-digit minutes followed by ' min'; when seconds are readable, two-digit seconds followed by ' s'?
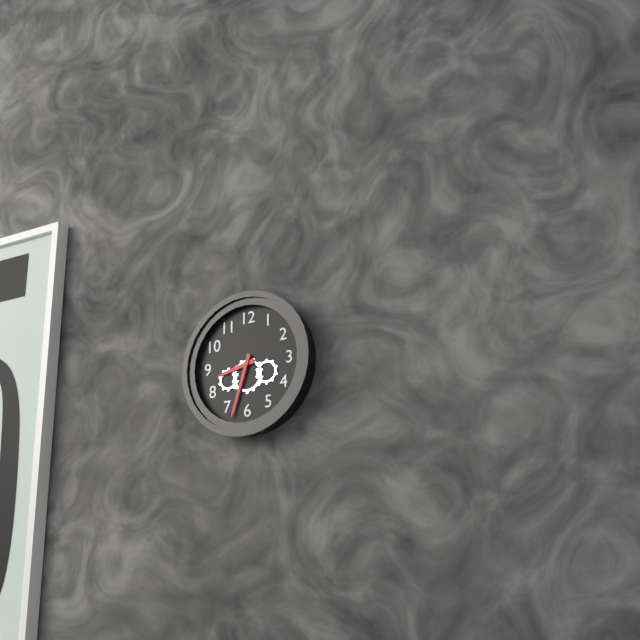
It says 8 h 33 min
